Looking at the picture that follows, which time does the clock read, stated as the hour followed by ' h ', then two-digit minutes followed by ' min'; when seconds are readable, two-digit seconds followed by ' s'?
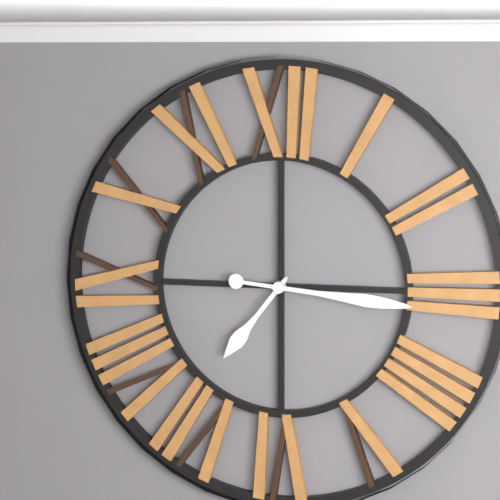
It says 7 h 16 min
